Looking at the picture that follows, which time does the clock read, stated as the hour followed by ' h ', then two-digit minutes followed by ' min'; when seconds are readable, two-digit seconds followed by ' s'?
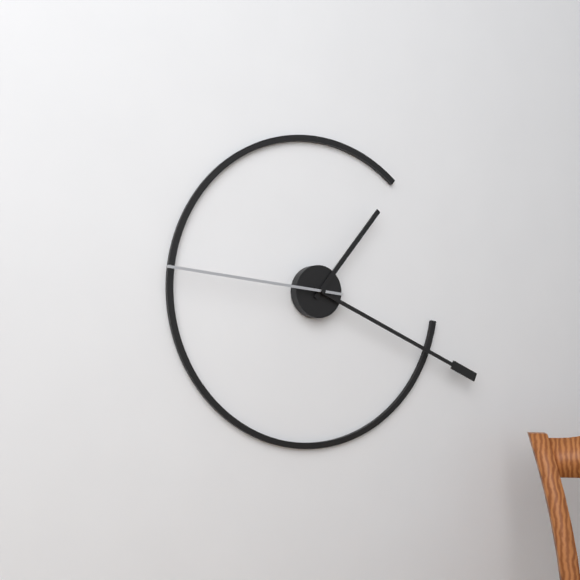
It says 1 h 19 min 46 s
